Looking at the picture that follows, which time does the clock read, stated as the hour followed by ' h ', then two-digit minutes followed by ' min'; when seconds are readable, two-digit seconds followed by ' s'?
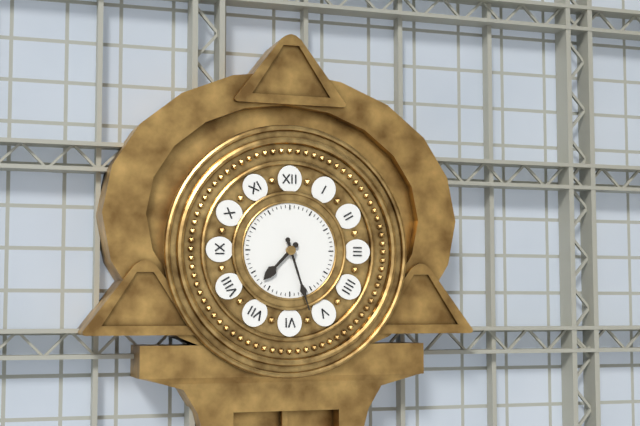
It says 7 h 27 min
